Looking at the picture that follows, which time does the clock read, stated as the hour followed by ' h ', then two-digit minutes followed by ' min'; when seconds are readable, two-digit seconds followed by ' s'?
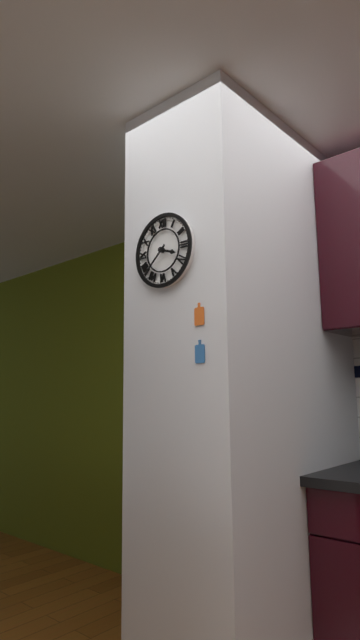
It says 3 h 38 min
